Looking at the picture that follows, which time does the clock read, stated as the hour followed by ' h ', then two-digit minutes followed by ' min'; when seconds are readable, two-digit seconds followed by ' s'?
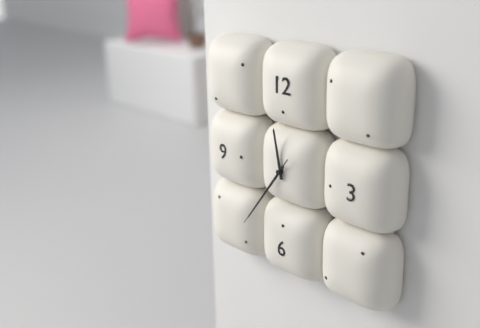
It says 11 h 36 min 36 s
